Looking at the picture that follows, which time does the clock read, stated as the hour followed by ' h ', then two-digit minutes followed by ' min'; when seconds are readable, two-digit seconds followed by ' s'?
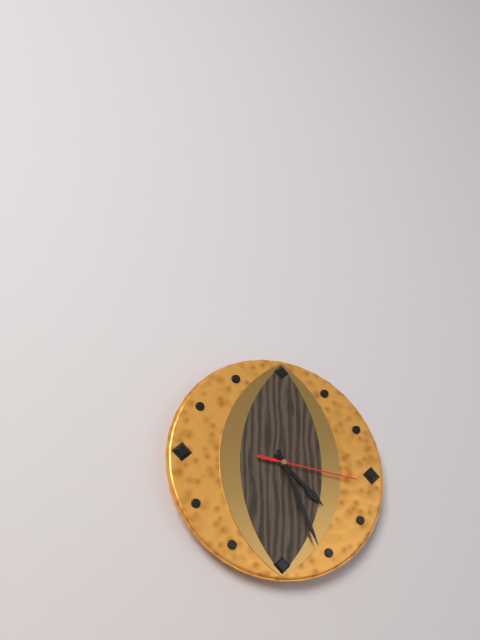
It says 4 h 26 min 16 s
